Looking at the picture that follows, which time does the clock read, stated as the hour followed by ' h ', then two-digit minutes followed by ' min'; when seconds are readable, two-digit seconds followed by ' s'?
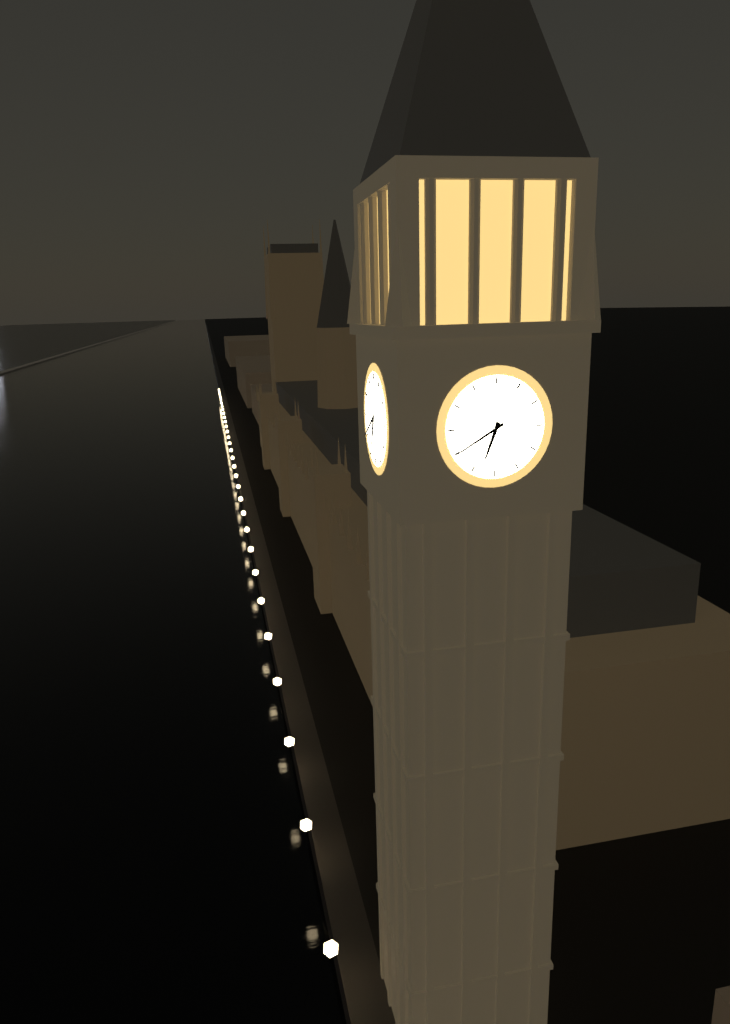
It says 6 h 40 min
